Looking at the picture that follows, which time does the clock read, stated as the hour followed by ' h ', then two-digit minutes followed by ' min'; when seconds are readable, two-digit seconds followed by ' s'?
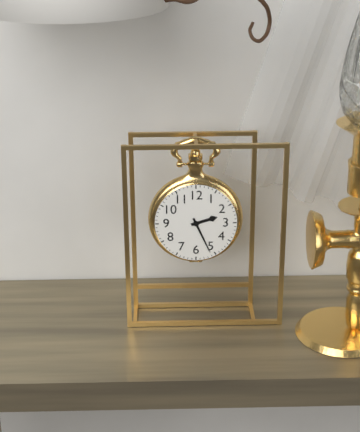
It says 2 h 26 min
